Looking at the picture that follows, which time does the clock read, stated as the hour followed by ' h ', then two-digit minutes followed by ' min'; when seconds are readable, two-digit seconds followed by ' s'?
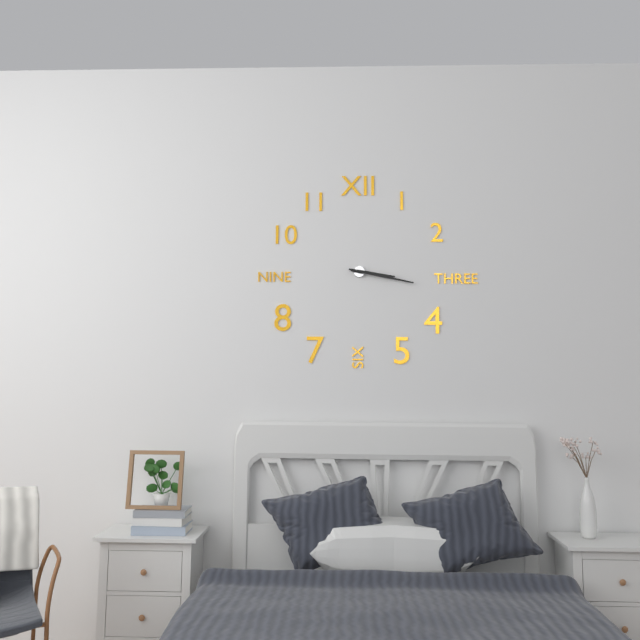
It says 3 h 17 min
